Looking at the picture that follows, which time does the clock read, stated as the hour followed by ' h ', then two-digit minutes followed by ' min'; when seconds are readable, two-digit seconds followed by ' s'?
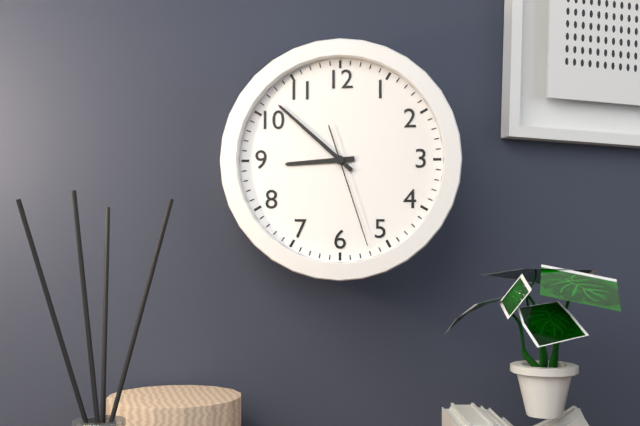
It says 8 h 52 min 27 s
